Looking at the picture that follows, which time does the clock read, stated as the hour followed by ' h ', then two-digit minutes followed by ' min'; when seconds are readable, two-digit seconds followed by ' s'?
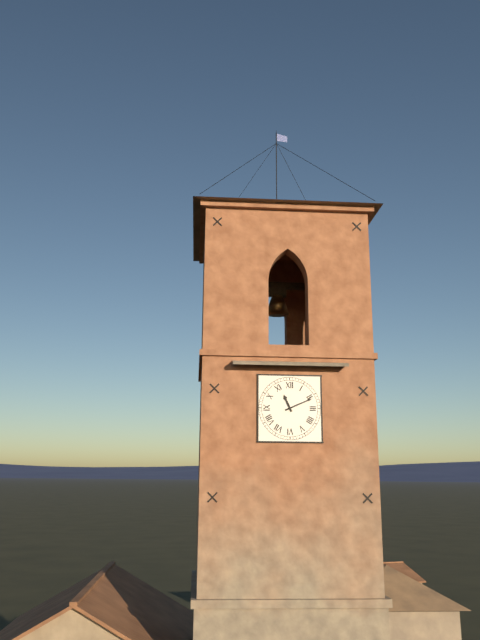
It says 11 h 11 min
